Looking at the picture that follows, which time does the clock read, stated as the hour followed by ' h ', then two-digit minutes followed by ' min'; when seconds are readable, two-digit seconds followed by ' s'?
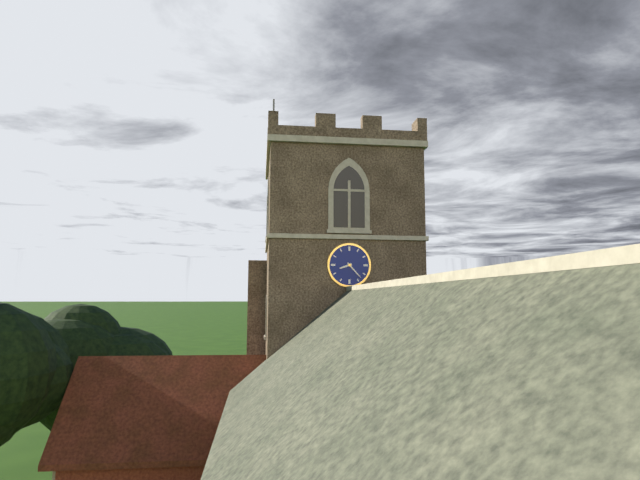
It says 8 h 23 min
